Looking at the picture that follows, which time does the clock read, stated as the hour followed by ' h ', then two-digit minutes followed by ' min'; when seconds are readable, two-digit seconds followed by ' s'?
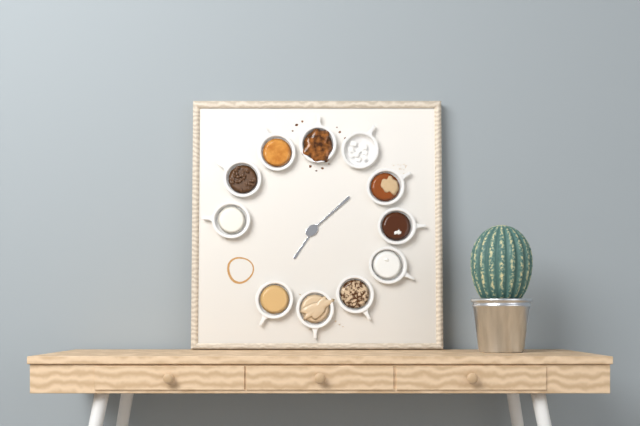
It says 7 h 08 min
